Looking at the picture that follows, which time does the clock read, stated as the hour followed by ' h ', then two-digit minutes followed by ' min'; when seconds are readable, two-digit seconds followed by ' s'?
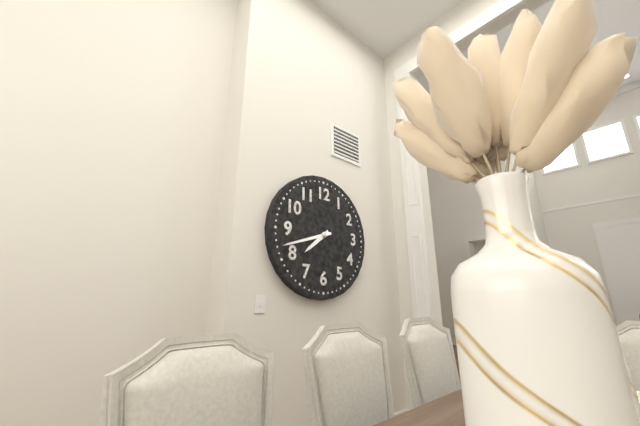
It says 7 h 42 min
